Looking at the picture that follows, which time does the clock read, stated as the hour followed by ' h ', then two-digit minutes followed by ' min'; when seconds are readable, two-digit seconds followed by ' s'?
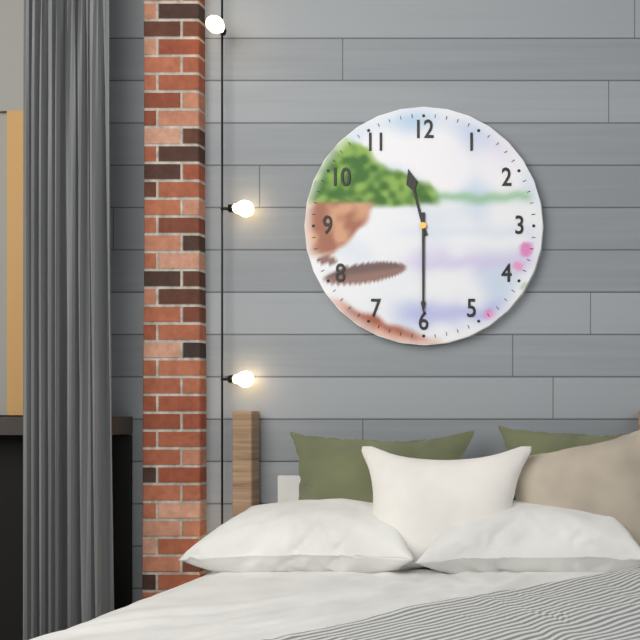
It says 11 h 30 min
